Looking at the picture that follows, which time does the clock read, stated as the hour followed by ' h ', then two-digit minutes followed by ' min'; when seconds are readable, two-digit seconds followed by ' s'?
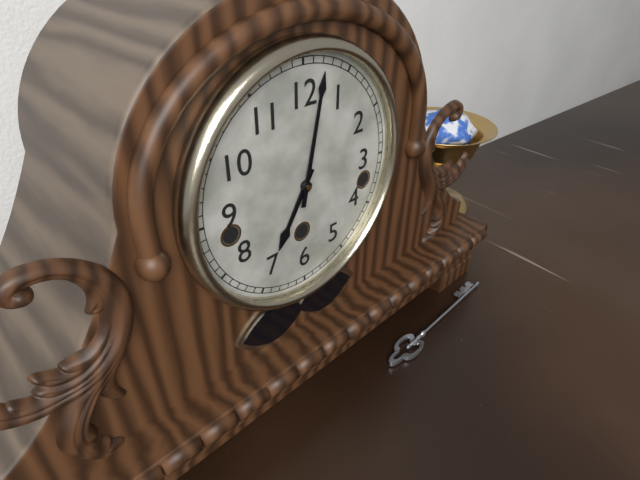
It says 7 h 02 min
